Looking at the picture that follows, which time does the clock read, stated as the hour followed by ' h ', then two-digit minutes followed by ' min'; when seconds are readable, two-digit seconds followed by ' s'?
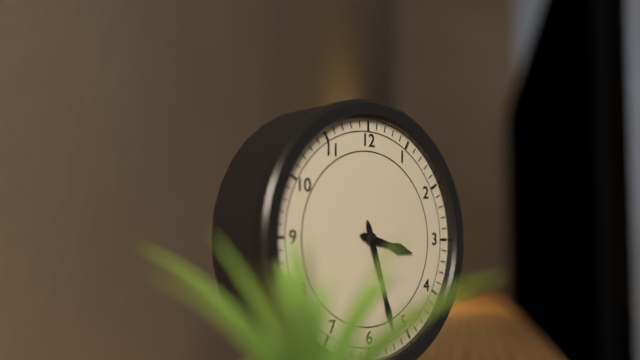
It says 3 h 27 min
